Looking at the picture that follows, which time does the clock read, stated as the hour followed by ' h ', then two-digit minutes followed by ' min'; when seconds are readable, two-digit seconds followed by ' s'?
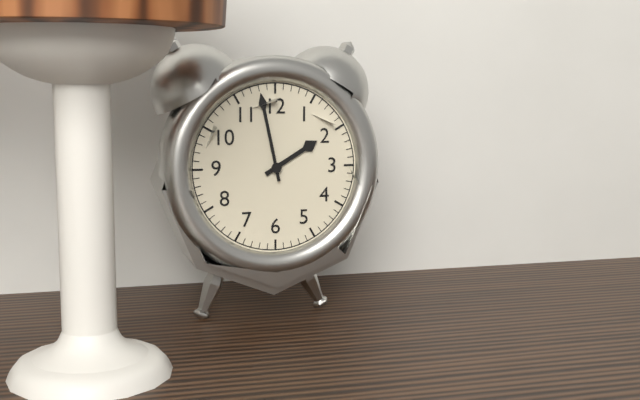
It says 1 h 58 min
